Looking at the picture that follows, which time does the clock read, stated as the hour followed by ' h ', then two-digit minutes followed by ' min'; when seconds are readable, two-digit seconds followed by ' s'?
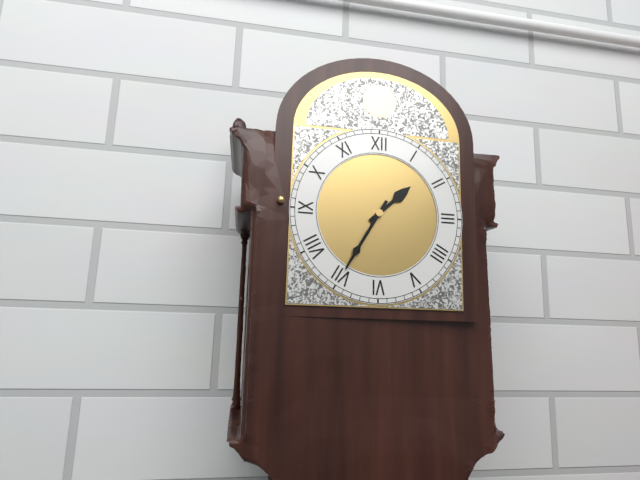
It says 1 h 35 min
